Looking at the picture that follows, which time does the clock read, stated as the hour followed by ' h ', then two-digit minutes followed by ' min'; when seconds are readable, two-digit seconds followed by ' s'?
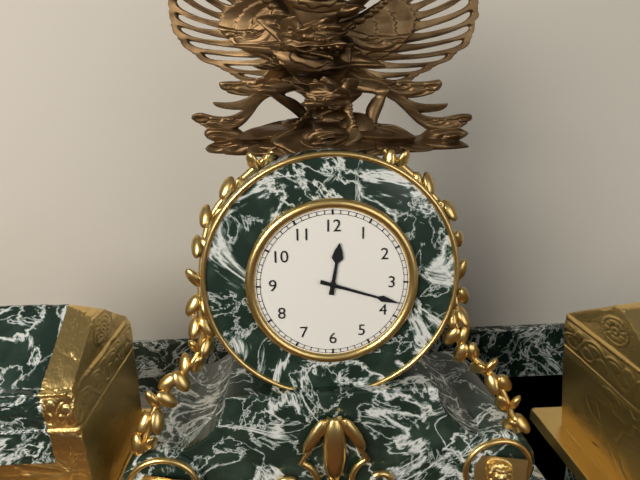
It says 12 h 18 min
